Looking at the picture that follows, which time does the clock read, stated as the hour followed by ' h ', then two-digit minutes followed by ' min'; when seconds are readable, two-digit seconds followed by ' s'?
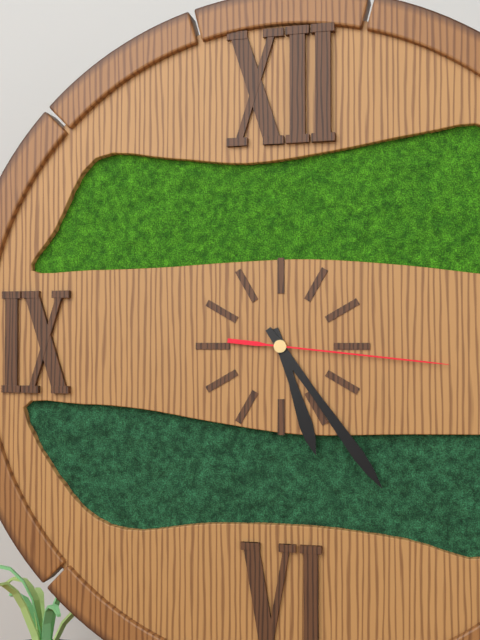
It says 5 h 24 min 16 s
